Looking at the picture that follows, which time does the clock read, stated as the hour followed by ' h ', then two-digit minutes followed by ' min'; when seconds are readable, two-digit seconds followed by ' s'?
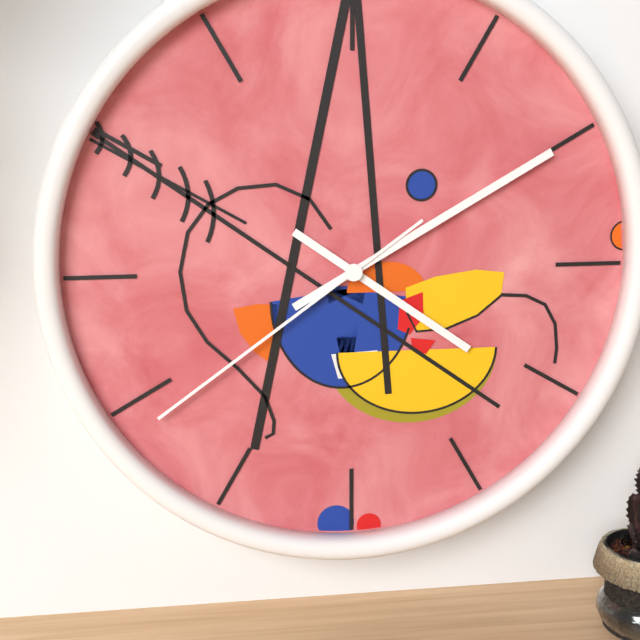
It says 4 h 10 min 39 s
